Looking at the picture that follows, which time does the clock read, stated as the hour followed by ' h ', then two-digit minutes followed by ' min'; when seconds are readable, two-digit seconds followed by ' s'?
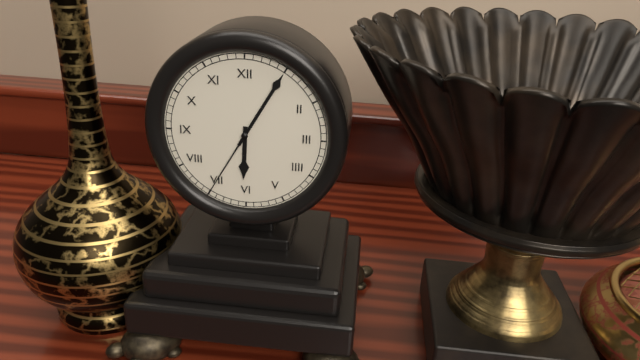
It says 6 h 05 min 35 s
